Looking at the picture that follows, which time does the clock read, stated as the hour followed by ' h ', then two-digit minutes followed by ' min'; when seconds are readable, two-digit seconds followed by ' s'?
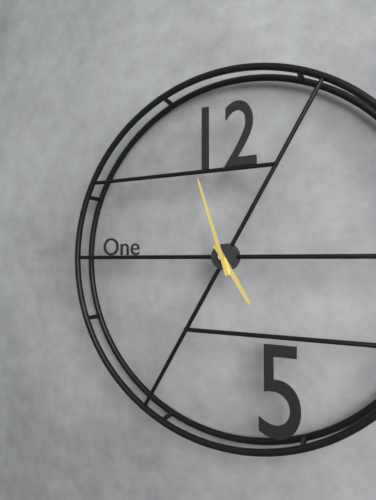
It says 4 h 57 min
